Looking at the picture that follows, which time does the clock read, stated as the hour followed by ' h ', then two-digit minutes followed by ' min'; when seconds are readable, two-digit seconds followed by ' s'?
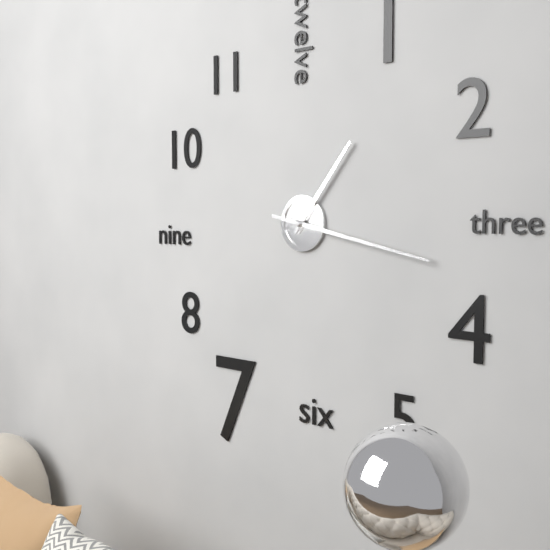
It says 1 h 17 min
